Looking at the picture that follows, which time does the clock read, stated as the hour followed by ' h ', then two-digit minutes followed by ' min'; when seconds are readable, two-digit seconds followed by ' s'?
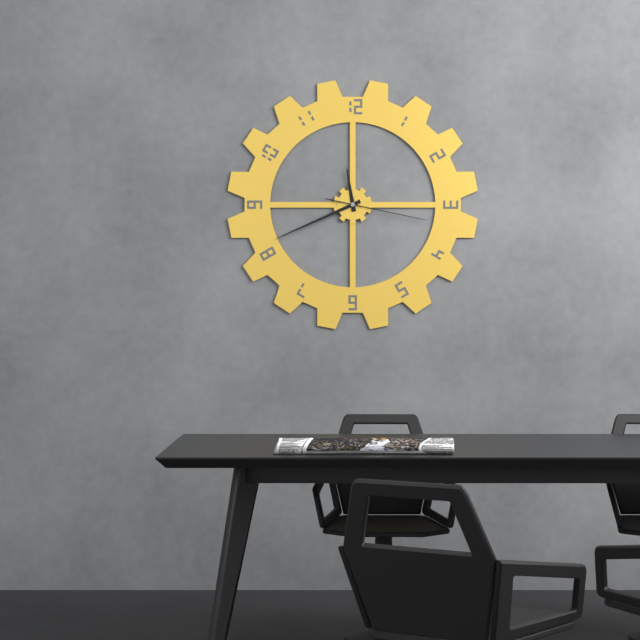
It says 11 h 41 min 17 s
